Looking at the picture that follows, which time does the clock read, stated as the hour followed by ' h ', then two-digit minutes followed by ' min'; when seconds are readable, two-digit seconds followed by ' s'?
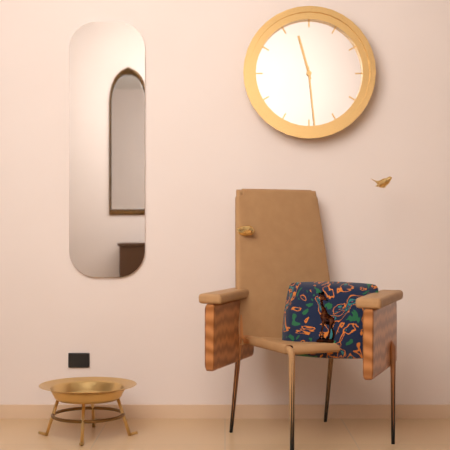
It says 11 h 29 min
